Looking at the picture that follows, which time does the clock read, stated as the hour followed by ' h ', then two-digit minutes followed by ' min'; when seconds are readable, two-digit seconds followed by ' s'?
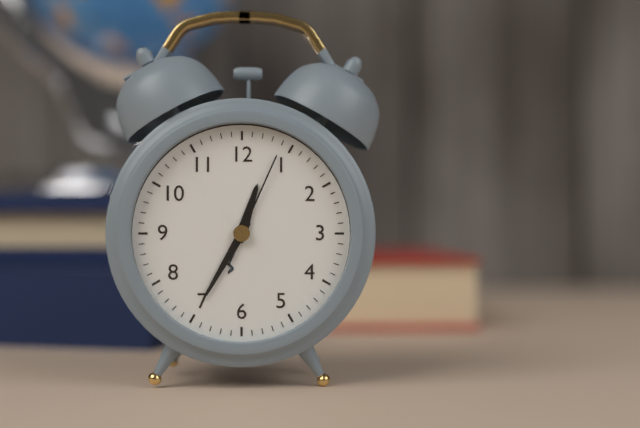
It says 12 h 35 min 04 s
